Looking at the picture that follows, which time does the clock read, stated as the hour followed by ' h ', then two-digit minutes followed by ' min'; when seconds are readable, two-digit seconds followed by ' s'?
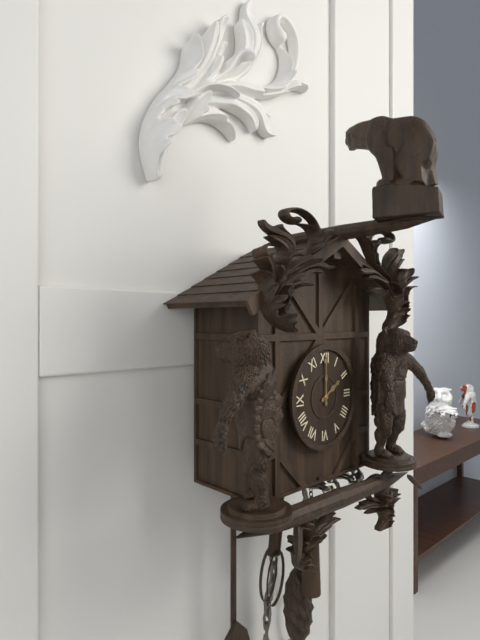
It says 2 h 00 min
